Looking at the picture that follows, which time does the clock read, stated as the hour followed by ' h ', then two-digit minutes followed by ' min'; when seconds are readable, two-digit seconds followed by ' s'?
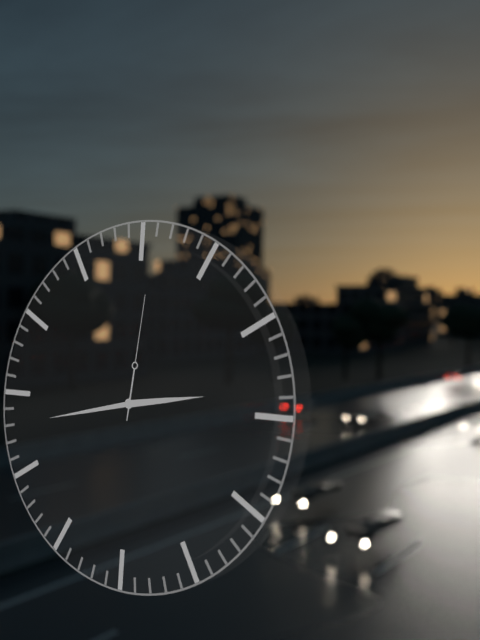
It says 2 h 43 min 01 s
